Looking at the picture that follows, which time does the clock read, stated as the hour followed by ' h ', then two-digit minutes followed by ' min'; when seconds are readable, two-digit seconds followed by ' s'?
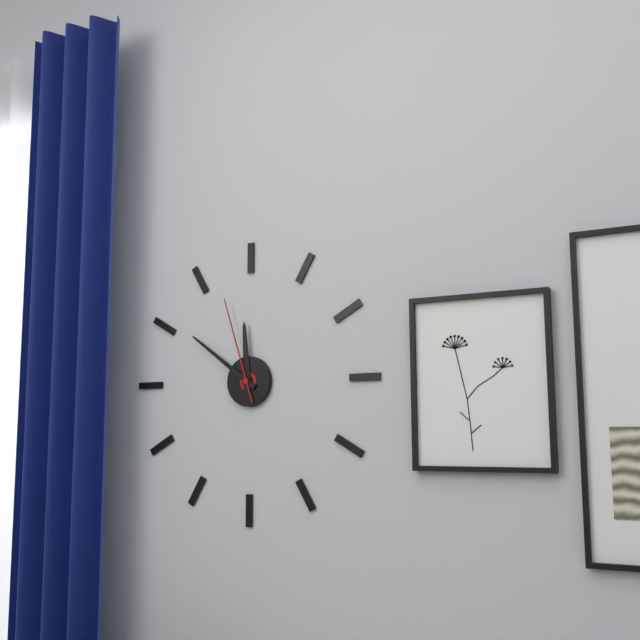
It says 11 h 51 min 57 s
